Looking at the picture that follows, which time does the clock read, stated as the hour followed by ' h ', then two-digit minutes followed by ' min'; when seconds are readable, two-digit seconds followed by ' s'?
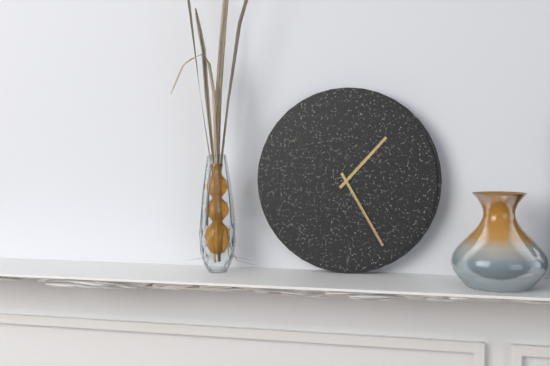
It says 1 h 25 min
